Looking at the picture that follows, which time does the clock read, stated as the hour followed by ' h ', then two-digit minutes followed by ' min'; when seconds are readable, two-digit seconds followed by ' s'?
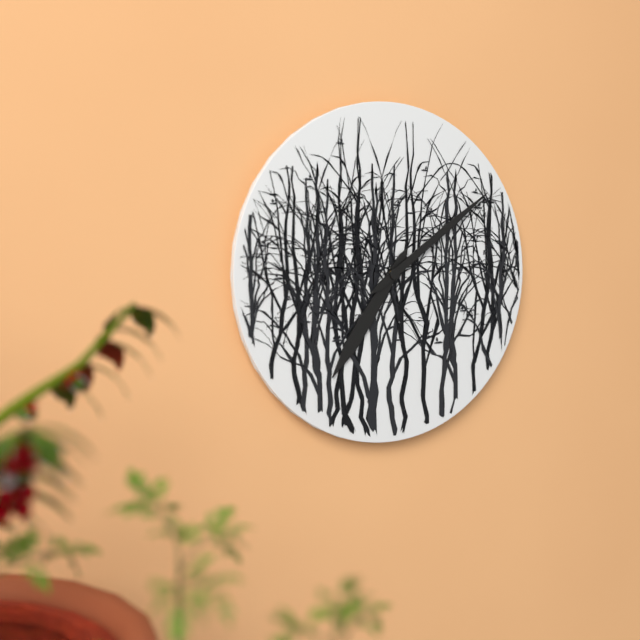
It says 7 h 09 min
